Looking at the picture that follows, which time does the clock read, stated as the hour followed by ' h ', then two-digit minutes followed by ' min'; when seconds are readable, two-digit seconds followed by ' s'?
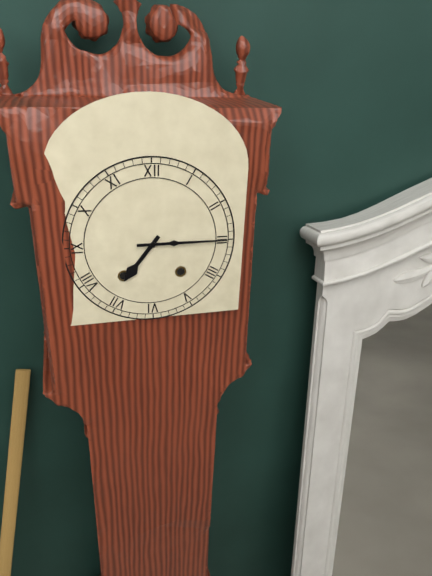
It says 7 h 15 min
